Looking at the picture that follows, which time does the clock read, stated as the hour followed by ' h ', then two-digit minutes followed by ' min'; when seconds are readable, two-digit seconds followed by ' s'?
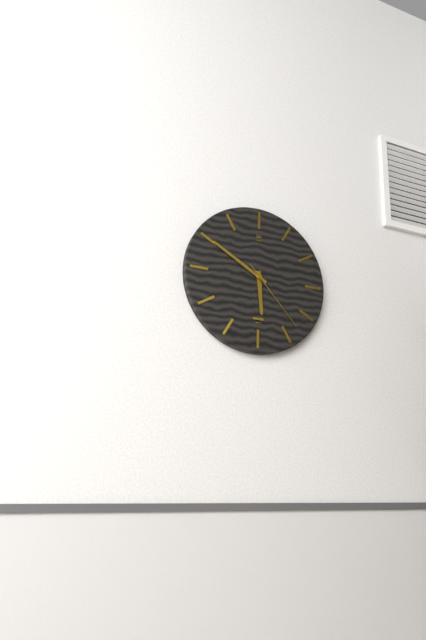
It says 5 h 50 min 23 s
